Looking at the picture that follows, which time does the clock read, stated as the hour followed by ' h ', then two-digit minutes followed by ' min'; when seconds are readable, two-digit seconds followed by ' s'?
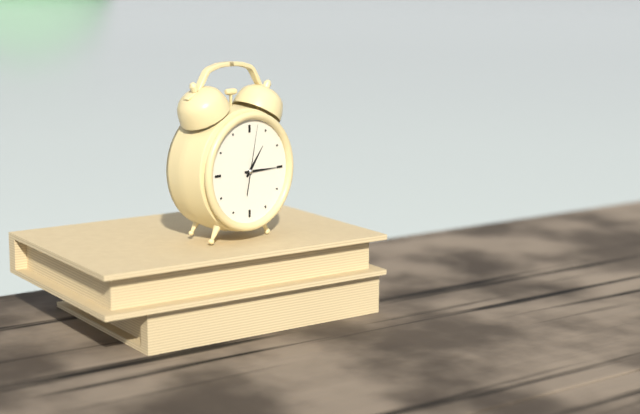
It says 1 h 15 min 02 s
